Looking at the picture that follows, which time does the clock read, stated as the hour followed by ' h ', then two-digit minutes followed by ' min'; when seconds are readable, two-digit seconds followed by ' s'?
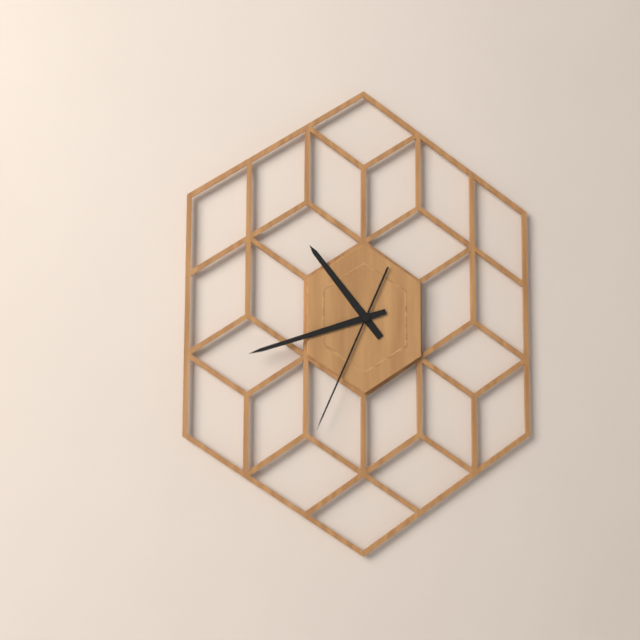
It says 10 h 42 min 34 s
